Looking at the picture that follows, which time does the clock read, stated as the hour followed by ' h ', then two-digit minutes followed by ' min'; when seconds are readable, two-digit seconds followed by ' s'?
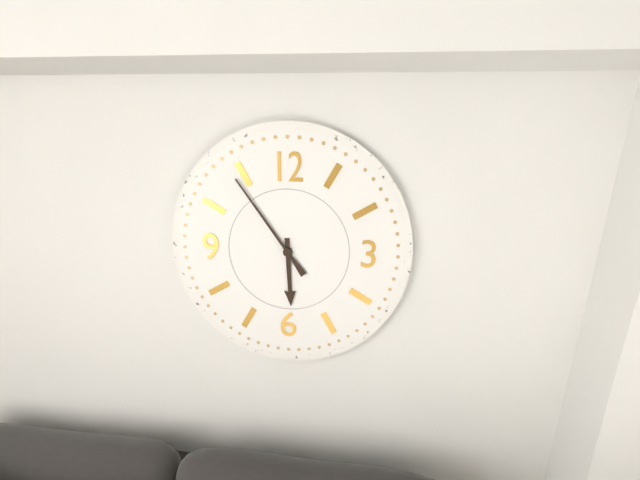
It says 5 h 54 min
